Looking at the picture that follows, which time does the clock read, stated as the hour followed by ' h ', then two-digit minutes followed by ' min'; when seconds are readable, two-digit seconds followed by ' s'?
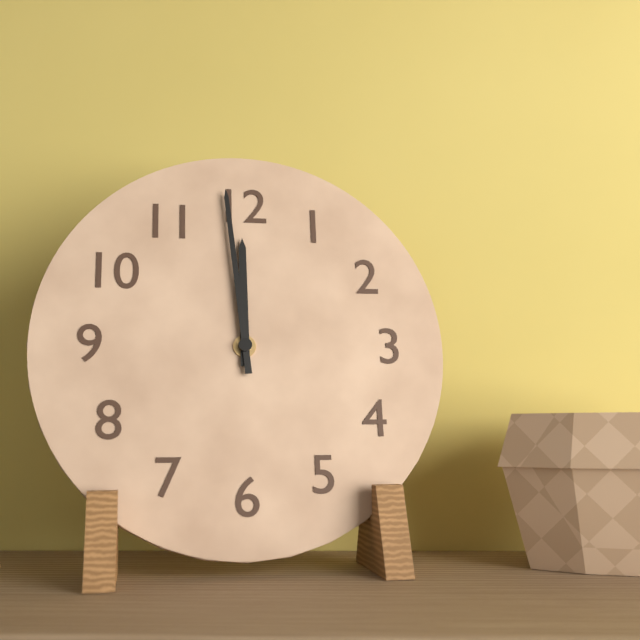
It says 11 h 59 min
